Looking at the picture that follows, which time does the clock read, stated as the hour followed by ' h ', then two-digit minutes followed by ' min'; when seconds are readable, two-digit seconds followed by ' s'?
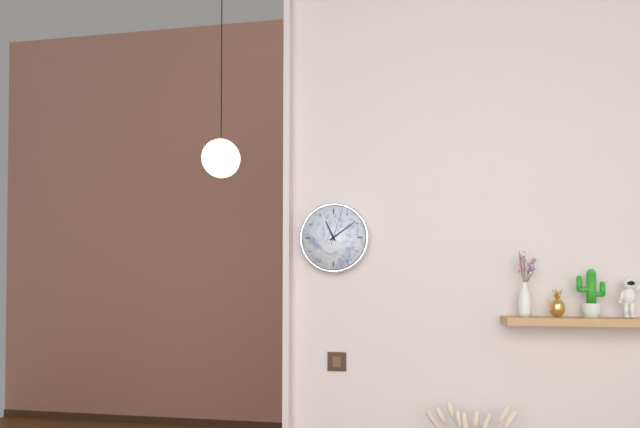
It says 11 h 09 min
